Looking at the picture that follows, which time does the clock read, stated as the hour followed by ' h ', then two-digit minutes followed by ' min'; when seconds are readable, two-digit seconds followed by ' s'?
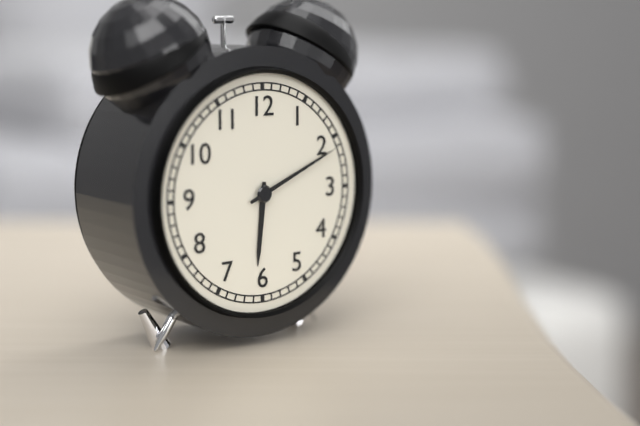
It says 6 h 11 min
